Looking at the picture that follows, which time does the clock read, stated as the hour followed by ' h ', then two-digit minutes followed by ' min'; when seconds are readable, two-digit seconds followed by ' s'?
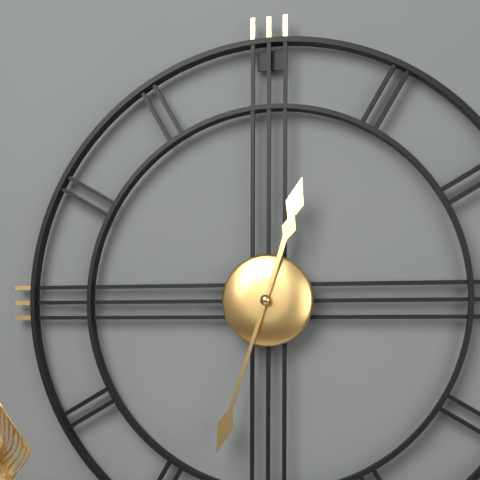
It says 12 h 33 min
